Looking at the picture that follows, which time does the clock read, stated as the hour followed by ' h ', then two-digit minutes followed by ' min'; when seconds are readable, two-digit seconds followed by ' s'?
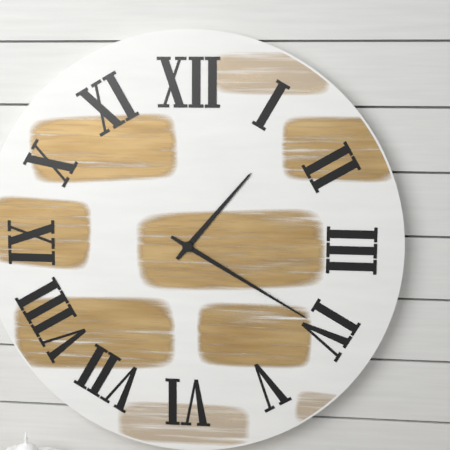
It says 1 h 20 min
